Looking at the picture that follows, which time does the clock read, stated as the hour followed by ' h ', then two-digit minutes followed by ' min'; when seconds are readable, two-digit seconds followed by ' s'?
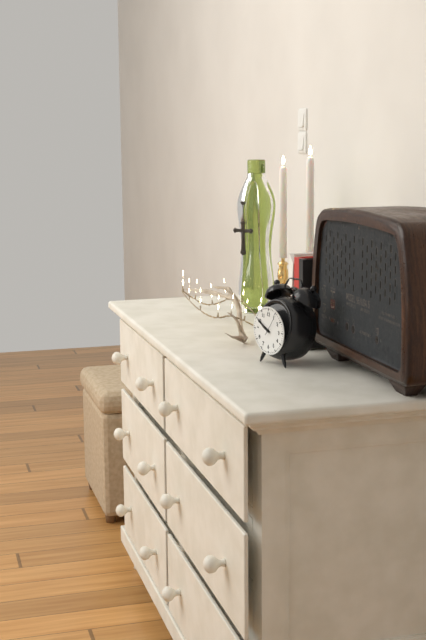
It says 9 h 50 min
